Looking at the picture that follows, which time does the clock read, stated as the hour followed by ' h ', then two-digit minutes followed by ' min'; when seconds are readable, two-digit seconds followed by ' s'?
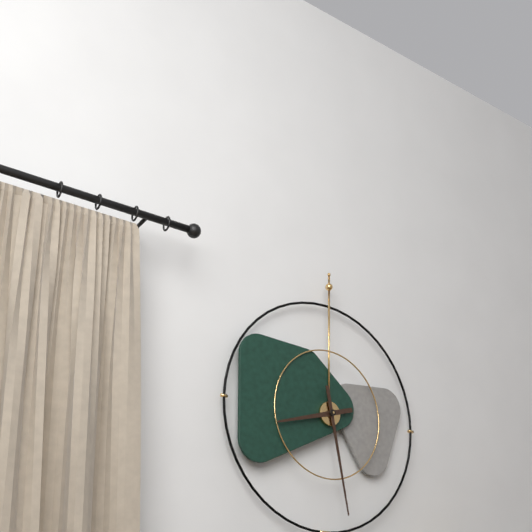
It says 8 h 28 min
